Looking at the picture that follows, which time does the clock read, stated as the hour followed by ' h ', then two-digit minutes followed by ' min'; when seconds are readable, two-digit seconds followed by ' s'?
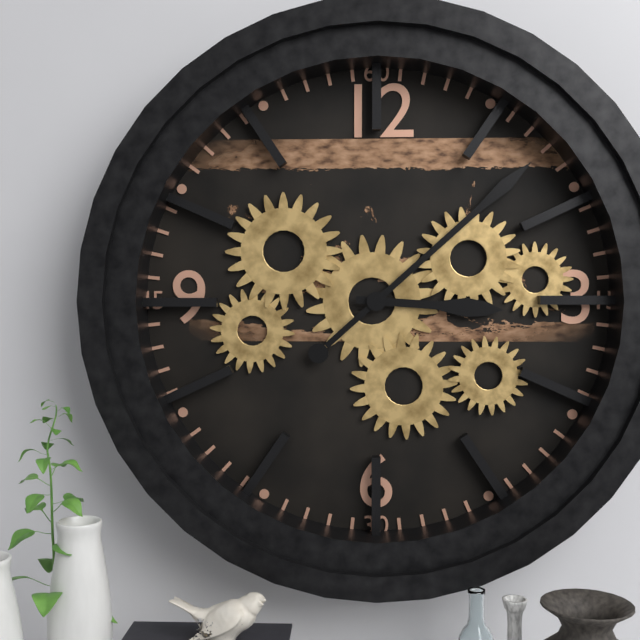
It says 3 h 08 min
